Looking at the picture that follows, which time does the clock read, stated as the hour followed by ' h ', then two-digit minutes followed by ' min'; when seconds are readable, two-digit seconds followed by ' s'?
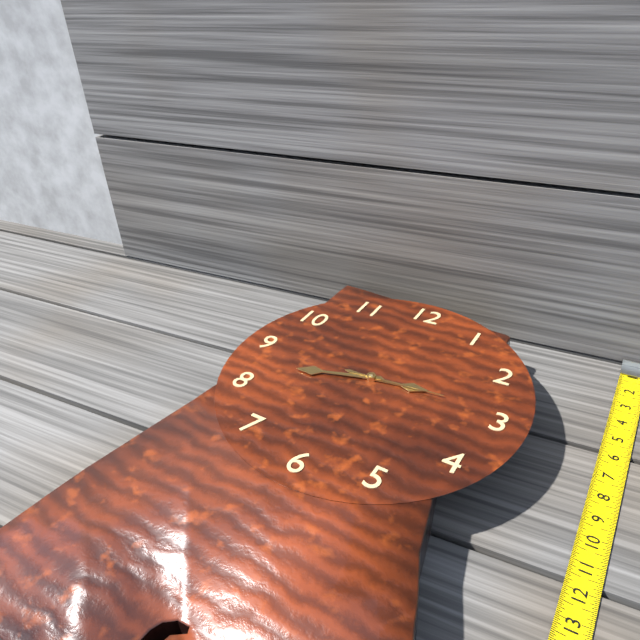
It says 2 h 42 min 14 s
